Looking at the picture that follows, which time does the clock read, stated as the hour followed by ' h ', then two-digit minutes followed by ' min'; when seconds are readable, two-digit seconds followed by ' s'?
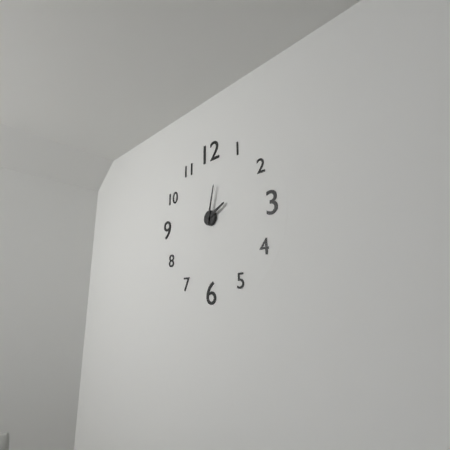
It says 2 h 02 min
